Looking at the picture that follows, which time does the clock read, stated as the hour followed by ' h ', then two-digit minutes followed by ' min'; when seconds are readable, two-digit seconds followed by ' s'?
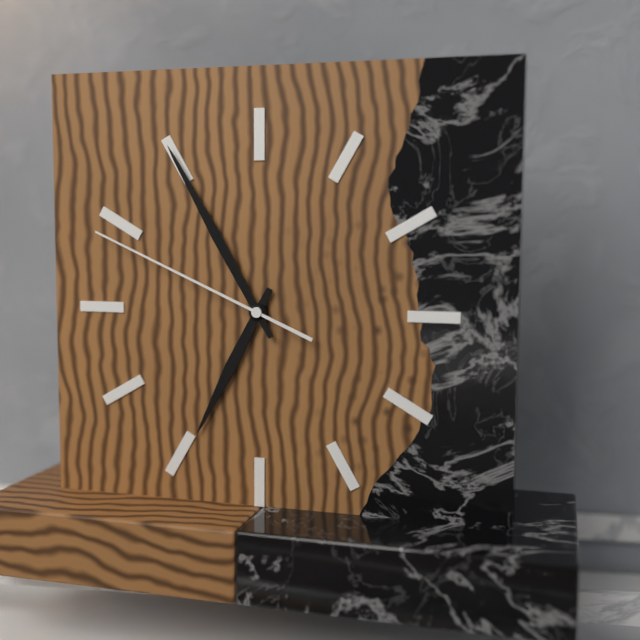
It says 6 h 55 min 49 s
